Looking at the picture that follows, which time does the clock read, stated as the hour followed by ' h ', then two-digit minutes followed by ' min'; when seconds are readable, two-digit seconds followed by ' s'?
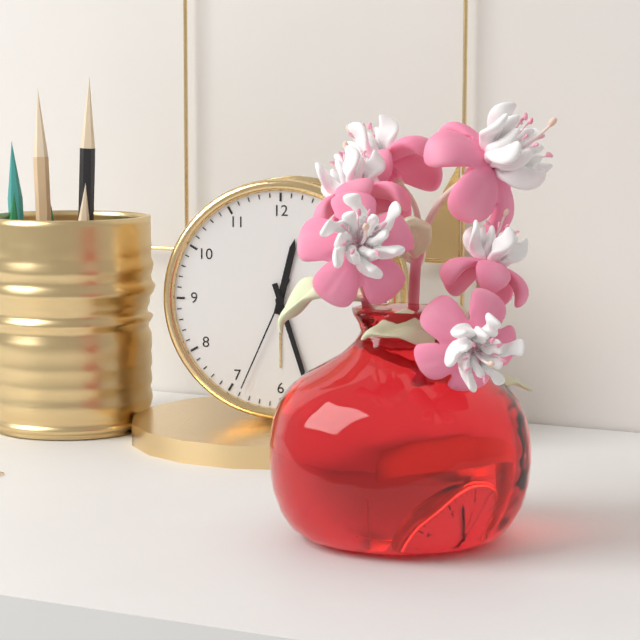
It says 12 h 27 min 34 s
